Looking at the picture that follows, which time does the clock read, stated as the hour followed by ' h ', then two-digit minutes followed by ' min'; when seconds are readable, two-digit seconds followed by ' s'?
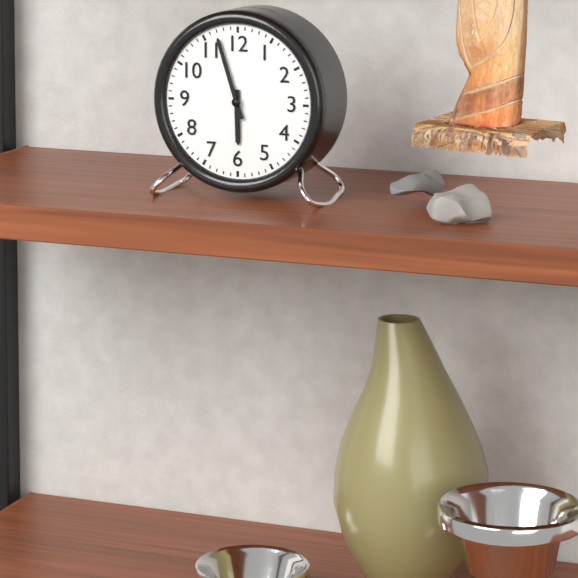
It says 5 h 57 min
